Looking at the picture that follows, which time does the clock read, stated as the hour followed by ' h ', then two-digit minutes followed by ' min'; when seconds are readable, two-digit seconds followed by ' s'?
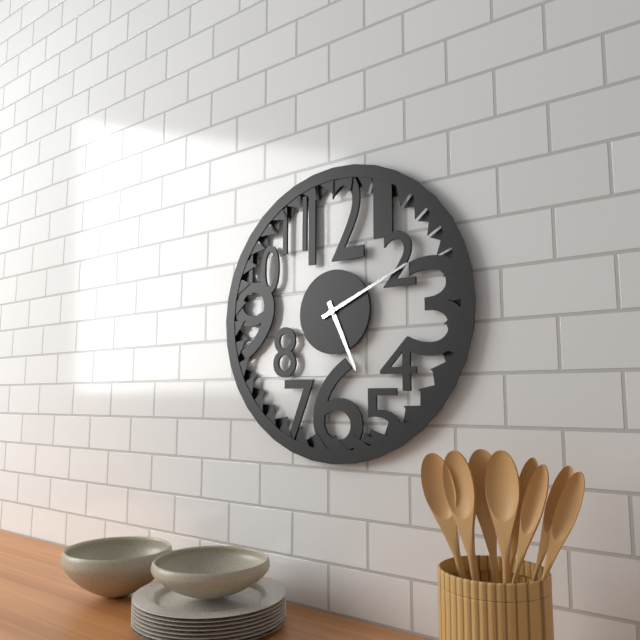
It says 5 h 11 min
